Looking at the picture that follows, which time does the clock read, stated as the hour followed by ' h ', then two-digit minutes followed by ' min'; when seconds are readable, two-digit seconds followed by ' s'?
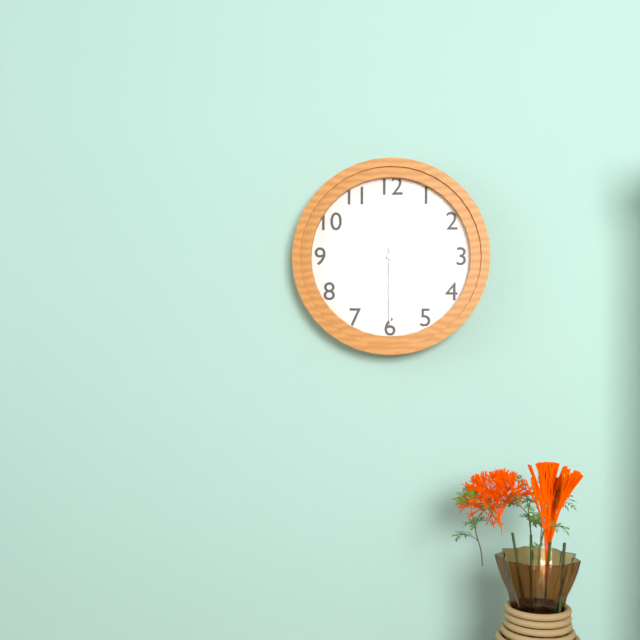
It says 1 h 30 min 07 s
